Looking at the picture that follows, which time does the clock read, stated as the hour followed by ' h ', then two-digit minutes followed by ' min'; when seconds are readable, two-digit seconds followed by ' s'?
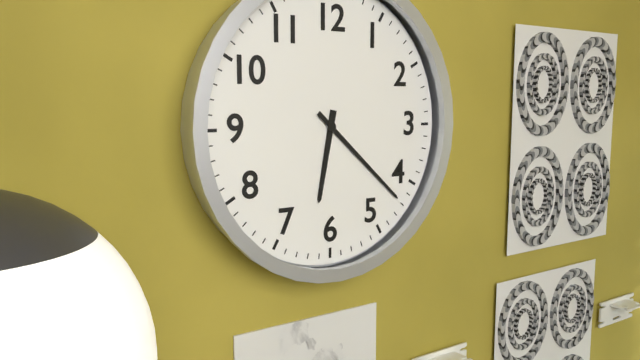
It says 6 h 22 min
